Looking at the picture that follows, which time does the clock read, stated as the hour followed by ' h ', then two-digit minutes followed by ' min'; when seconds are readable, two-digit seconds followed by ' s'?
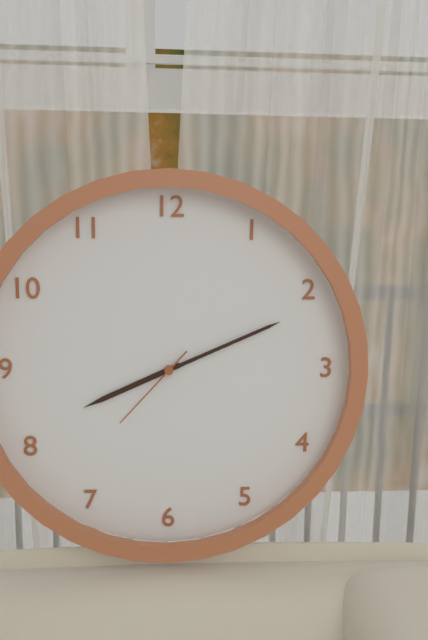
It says 8 h 11 min 37 s
